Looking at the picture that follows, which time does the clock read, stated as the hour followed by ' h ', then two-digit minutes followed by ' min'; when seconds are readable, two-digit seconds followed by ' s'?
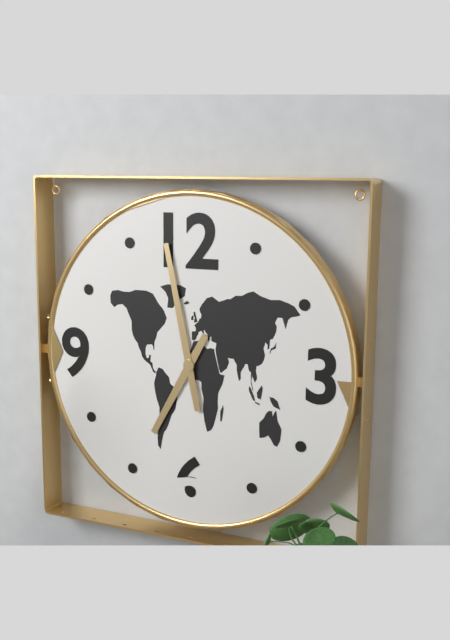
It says 6 h 58 min
